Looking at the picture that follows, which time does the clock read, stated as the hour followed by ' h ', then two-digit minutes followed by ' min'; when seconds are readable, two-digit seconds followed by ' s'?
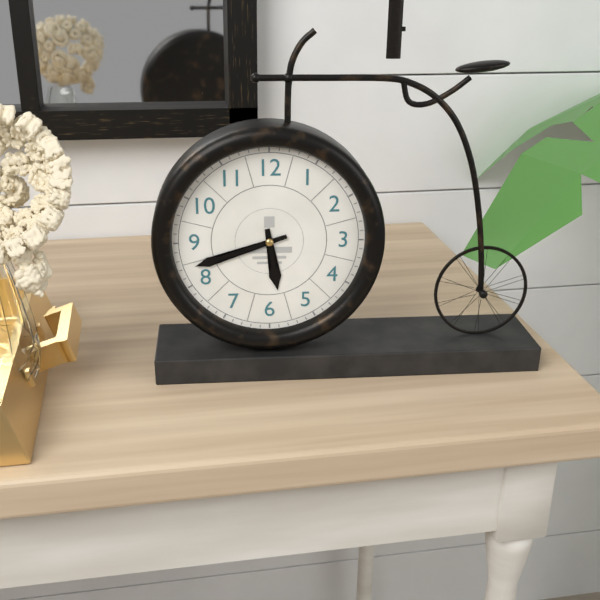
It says 5 h 42 min
